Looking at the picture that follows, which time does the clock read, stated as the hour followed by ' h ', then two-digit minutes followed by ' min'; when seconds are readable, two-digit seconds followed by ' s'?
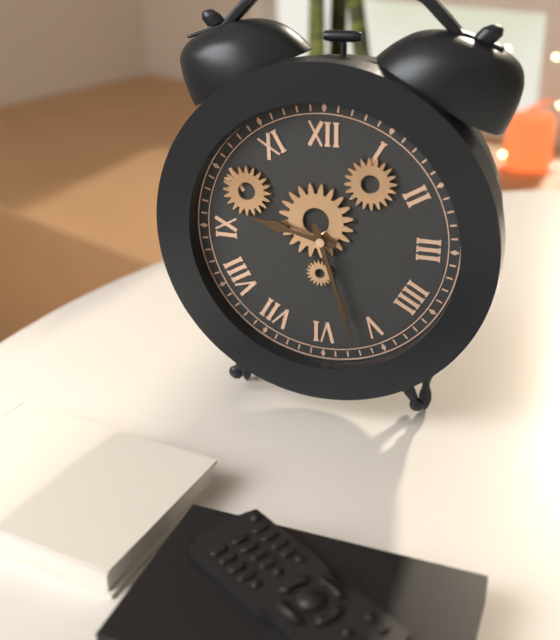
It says 9 h 27 min
